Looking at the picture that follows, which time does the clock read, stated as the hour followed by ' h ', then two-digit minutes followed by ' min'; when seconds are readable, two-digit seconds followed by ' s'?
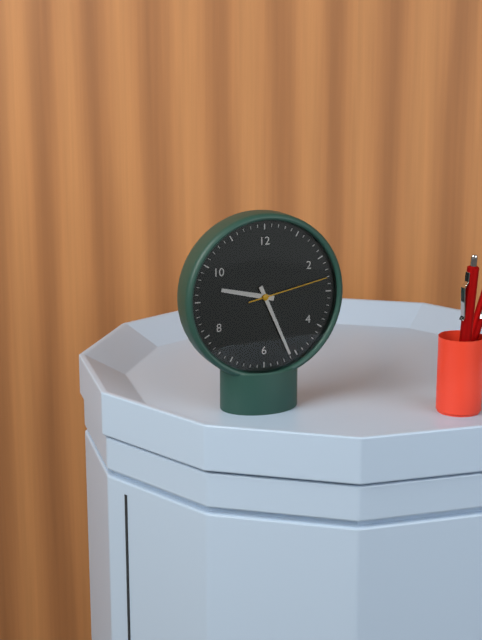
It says 9 h 26 min 13 s
